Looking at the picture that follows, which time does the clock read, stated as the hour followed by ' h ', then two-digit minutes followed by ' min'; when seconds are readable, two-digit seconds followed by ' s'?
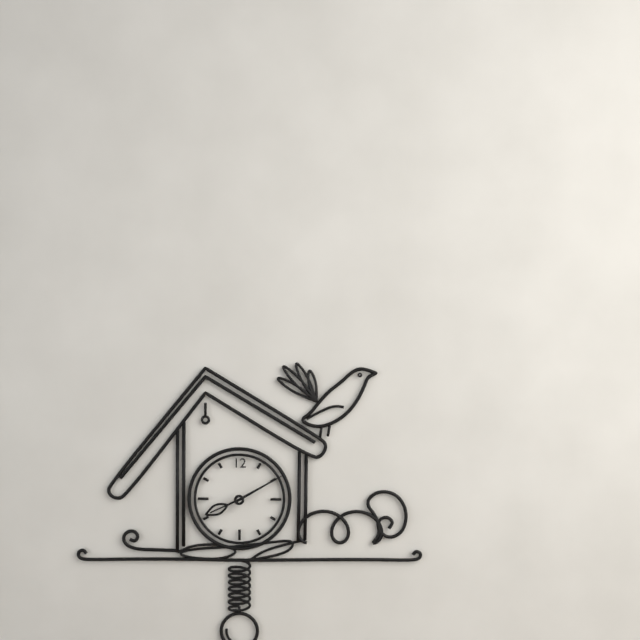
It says 8 h 10 min
